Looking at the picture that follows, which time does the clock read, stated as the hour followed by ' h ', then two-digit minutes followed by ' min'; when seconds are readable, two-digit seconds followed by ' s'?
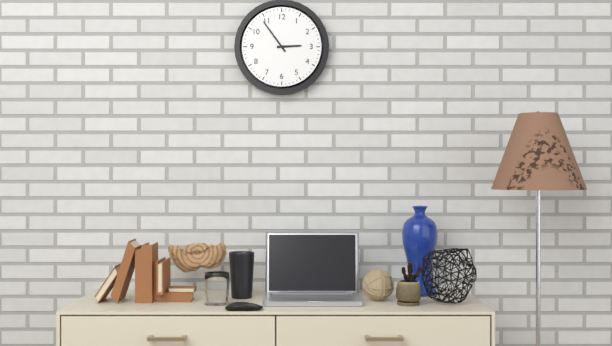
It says 2 h 54 min
